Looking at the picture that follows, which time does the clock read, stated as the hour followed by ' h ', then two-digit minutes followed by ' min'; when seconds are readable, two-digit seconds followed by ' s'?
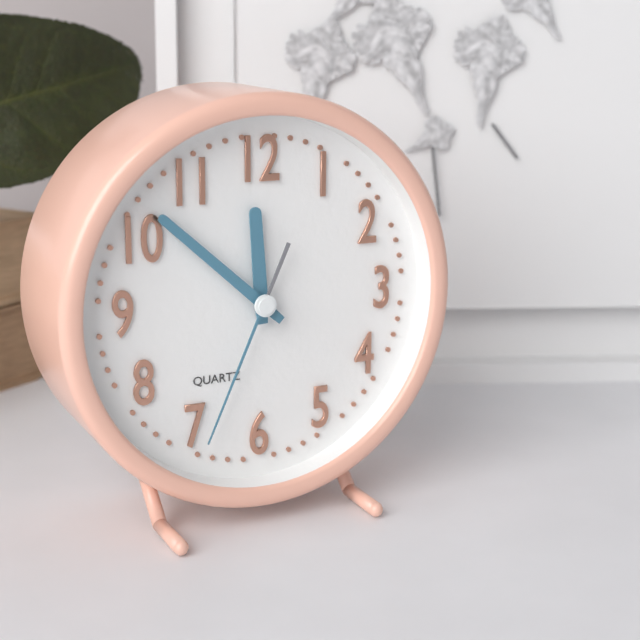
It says 11 h 52 min 34 s
